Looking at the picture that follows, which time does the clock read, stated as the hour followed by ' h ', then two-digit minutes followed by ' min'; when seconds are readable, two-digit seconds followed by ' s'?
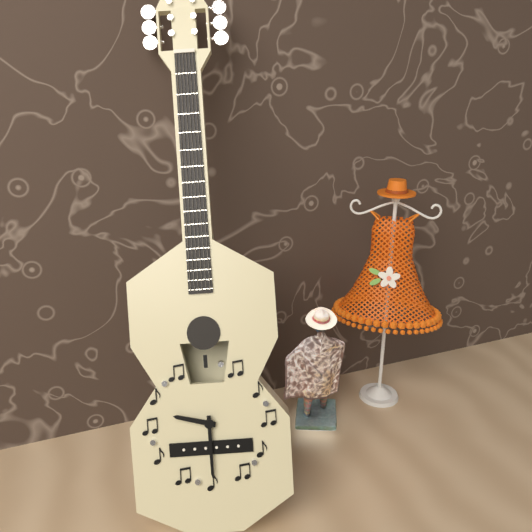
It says 9 h 30 min
